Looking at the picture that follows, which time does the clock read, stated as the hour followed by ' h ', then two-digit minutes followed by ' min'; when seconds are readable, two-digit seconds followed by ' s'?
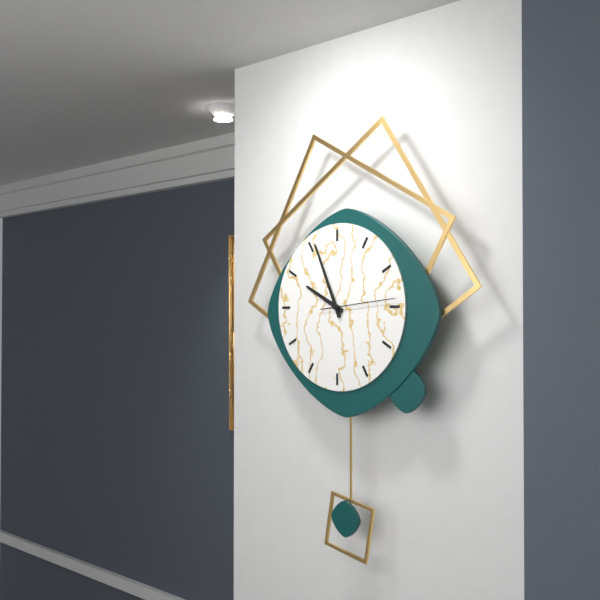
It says 9 h 56 min 14 s
